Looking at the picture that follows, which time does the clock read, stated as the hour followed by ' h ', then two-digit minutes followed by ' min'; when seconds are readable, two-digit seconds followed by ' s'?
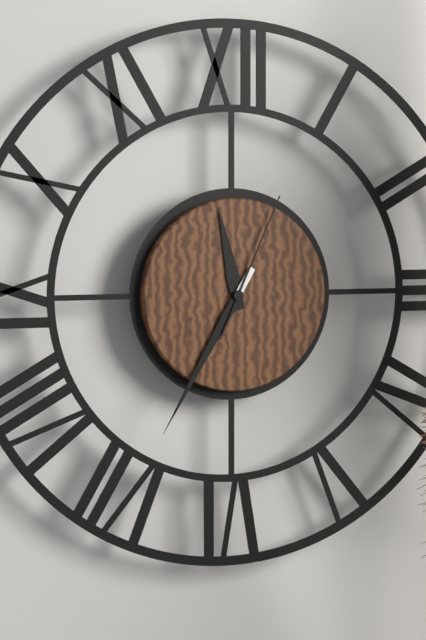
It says 11 h 35 min 04 s
